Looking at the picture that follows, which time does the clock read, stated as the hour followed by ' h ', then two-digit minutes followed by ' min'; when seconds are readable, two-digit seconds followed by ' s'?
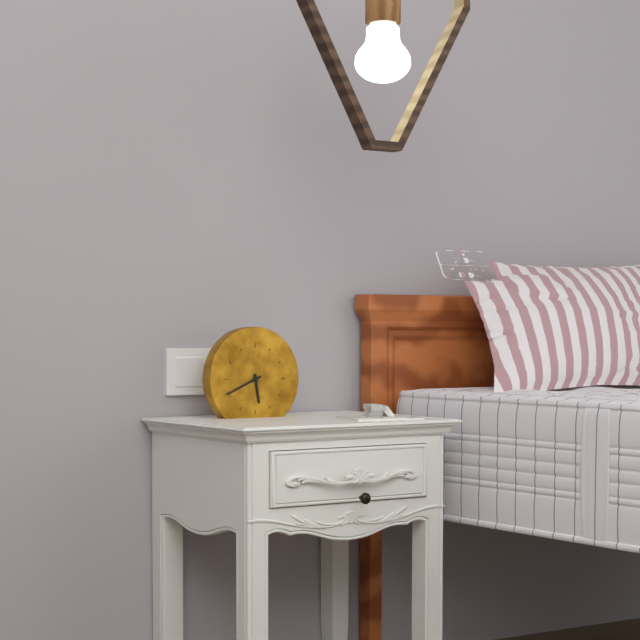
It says 5 h 41 min
